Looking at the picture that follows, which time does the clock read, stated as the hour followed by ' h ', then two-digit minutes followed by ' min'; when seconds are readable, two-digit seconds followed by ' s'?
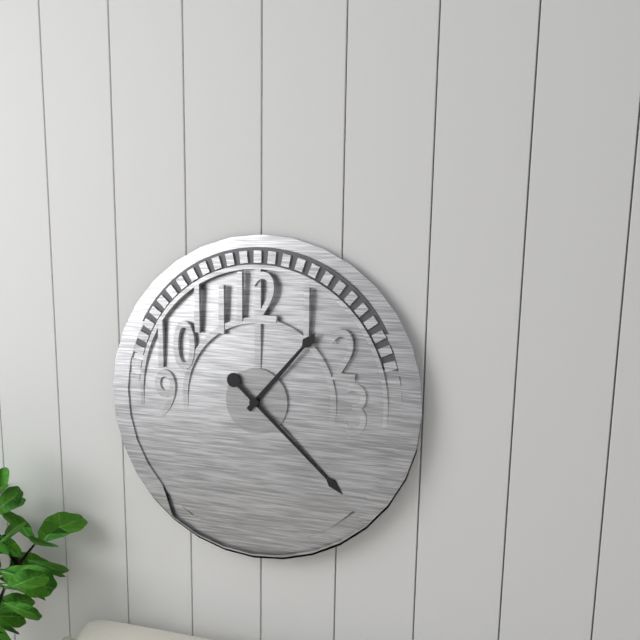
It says 1 h 22 min
